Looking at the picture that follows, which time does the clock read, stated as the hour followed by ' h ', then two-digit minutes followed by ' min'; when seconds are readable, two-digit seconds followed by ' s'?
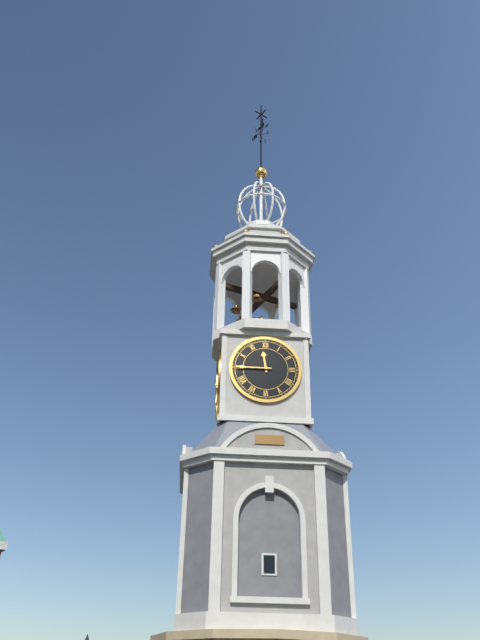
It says 11 h 45 min
